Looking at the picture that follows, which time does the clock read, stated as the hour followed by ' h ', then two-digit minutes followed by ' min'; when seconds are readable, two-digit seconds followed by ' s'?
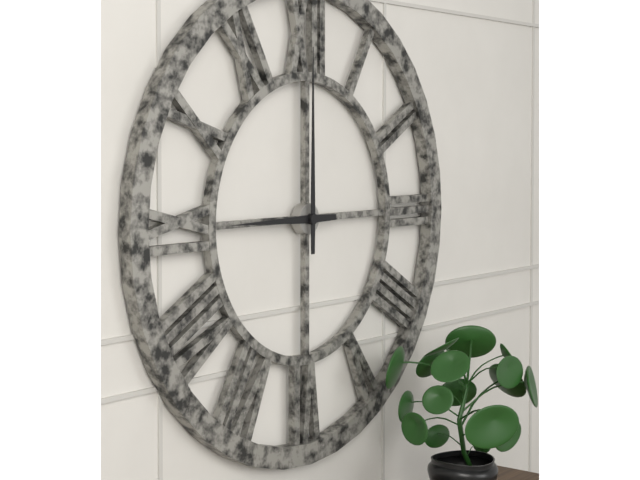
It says 9 h 00 min
